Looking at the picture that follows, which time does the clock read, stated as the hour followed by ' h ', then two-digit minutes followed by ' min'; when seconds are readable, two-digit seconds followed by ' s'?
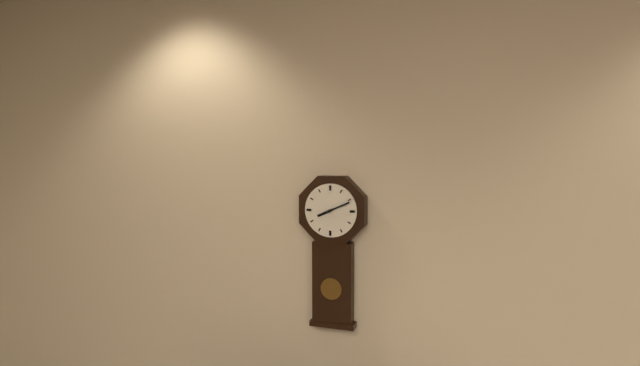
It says 8 h 11 min
